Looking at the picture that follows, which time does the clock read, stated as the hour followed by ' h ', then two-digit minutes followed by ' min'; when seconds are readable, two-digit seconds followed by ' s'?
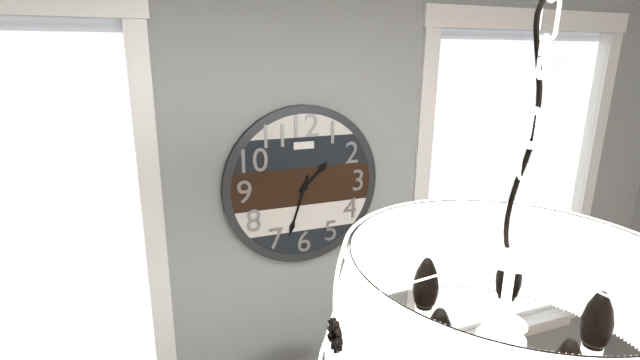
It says 1 h 33 min
